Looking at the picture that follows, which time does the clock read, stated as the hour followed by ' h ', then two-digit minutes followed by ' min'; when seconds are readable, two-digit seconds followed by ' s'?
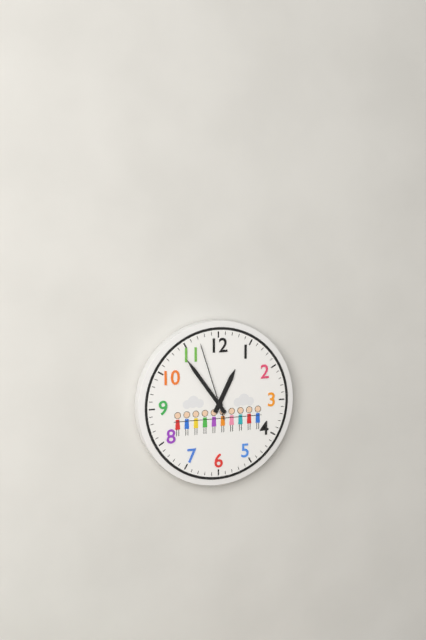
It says 12 h 54 min 57 s
